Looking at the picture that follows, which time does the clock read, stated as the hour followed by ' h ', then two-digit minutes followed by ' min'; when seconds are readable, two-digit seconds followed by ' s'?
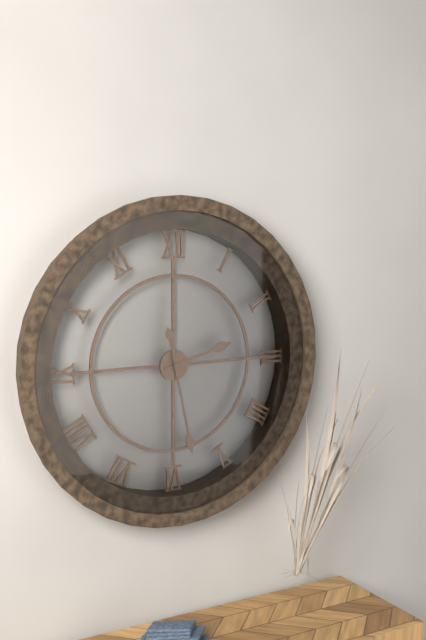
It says 2 h 28 min
